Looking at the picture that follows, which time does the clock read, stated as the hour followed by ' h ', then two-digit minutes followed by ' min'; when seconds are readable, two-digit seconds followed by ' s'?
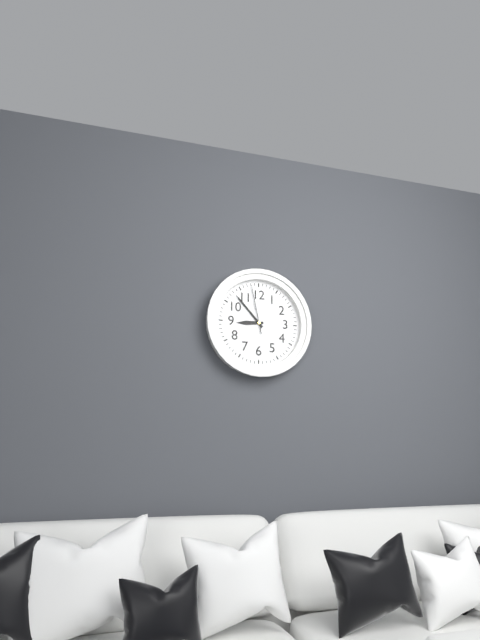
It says 8 h 53 min
